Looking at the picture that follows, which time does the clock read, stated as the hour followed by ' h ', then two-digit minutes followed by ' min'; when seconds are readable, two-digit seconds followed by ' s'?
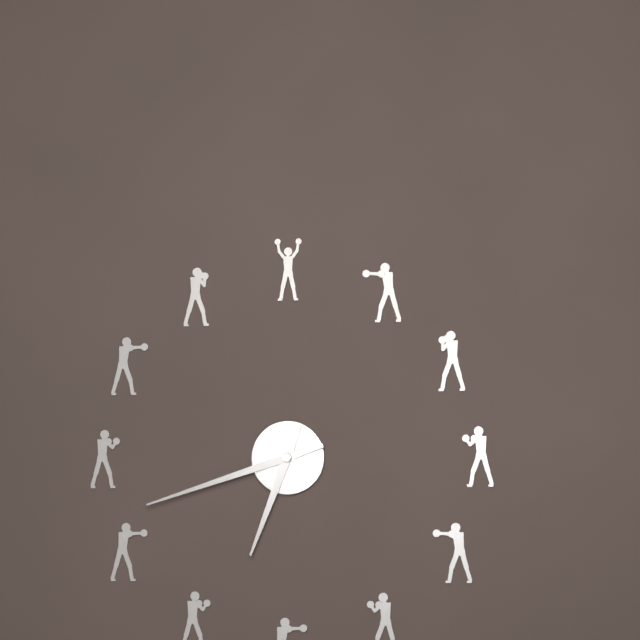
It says 6 h 42 min
